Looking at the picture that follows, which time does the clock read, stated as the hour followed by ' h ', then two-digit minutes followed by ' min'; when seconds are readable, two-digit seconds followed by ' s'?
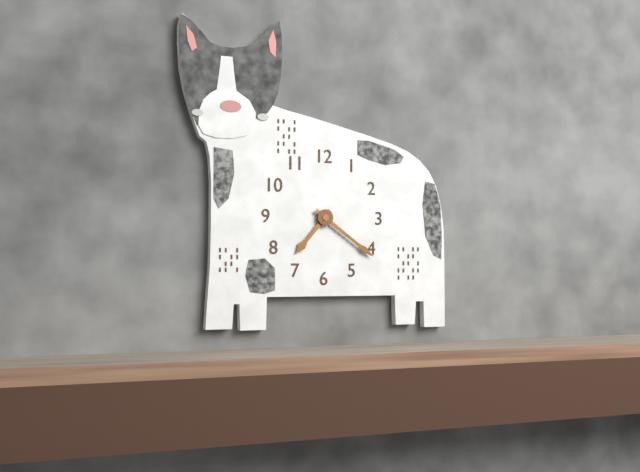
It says 7 h 21 min
